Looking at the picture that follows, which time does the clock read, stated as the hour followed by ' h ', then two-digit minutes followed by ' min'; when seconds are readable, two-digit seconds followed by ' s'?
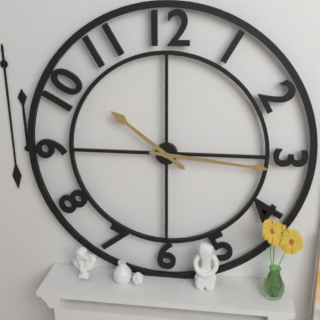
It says 10 h 16 min
